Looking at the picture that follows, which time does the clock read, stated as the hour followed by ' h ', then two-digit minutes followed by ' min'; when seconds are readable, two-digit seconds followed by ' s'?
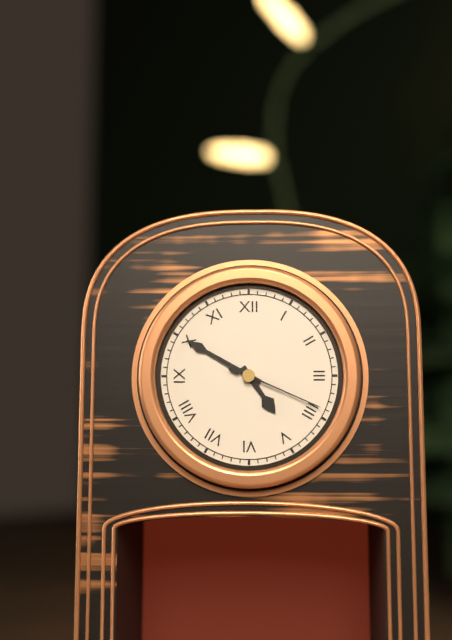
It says 4 h 50 min 19 s
